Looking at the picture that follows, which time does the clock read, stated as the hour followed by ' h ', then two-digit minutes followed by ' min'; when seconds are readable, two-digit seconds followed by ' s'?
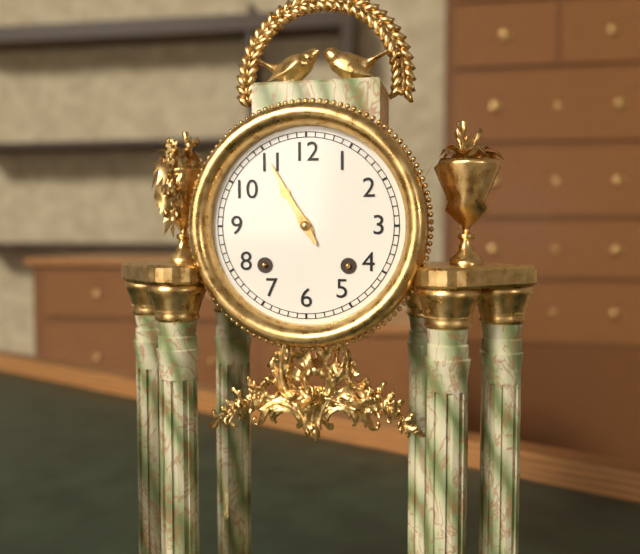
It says 10 h 55 min
